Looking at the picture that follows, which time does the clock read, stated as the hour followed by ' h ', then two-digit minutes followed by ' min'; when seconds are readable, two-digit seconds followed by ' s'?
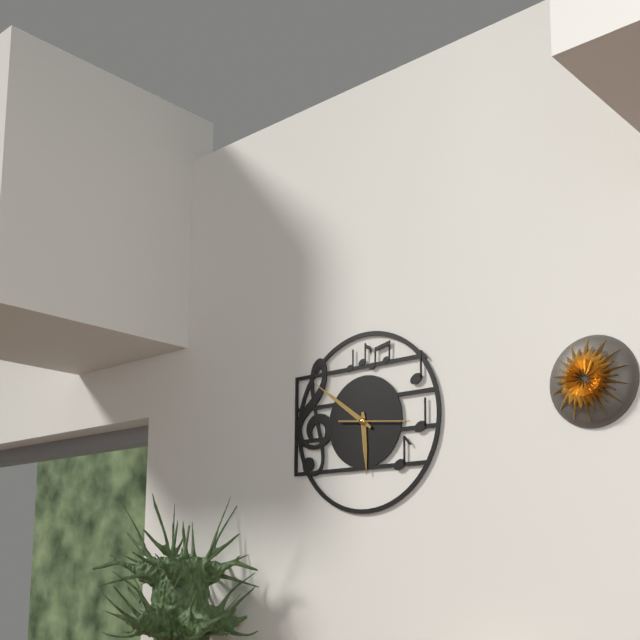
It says 5 h 51 min 16 s
